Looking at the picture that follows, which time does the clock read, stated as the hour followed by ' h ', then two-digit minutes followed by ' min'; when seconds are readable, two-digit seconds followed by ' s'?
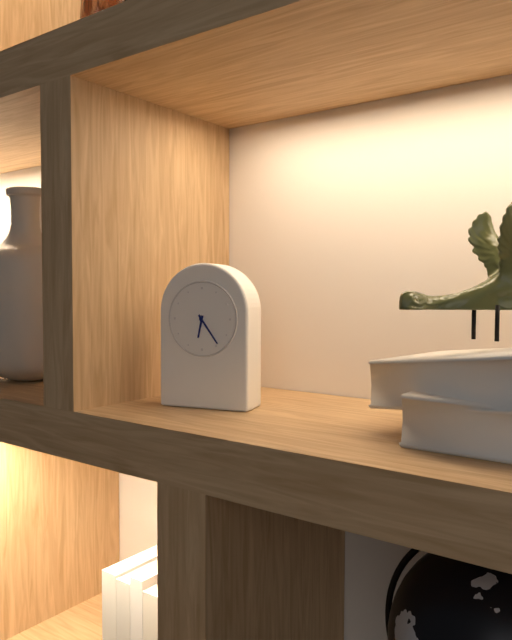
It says 6 h 24 min
